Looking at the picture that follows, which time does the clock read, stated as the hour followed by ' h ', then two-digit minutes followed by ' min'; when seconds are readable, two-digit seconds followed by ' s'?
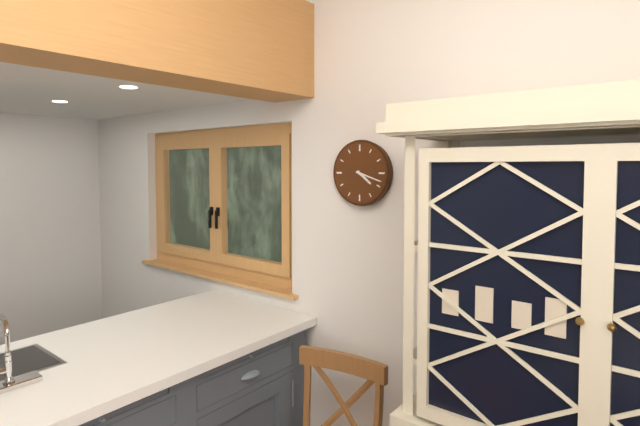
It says 4 h 18 min
